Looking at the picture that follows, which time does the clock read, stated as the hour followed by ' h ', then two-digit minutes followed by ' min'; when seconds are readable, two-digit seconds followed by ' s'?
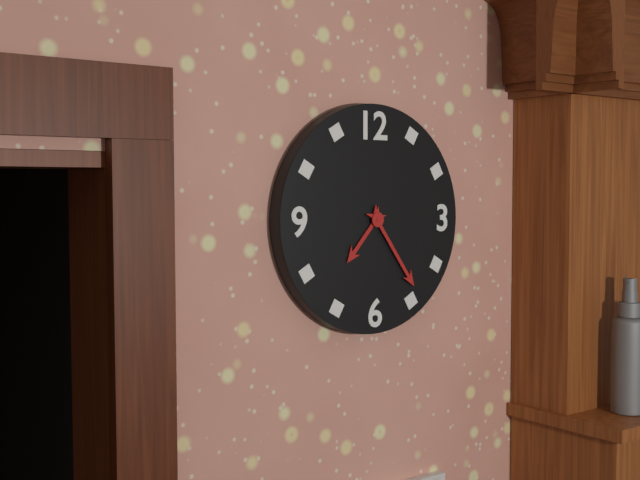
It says 7 h 24 min
